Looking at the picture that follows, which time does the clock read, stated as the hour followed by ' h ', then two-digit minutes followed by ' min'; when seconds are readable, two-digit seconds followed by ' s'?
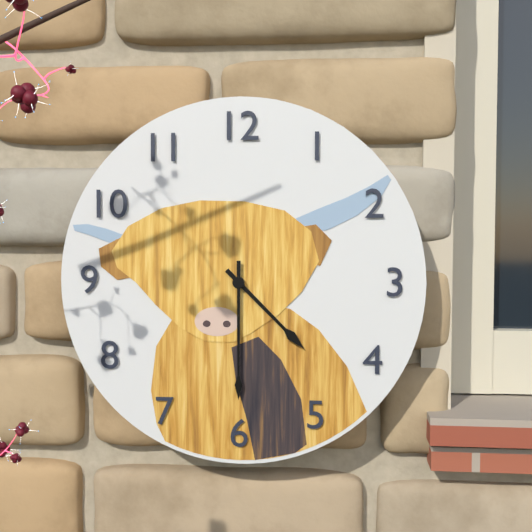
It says 4 h 30 min
